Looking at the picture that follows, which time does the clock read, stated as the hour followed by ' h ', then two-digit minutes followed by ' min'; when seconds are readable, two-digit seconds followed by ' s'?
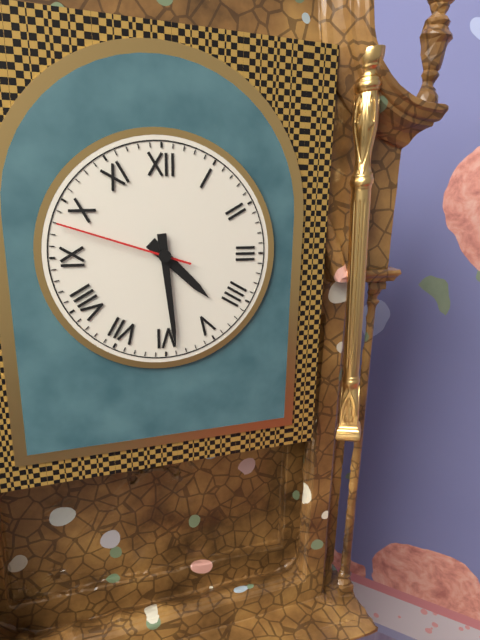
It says 4 h 29 min 48 s
